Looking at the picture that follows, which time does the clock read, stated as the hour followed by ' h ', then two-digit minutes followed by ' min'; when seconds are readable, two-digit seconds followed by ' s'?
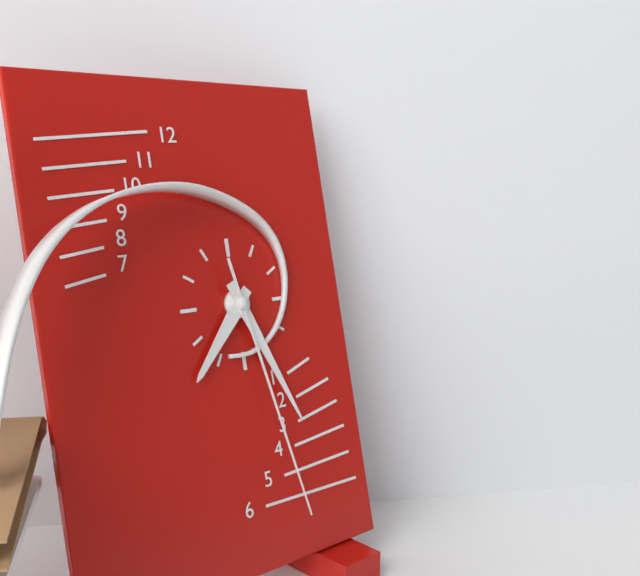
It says 7 h 26 min 28 s
